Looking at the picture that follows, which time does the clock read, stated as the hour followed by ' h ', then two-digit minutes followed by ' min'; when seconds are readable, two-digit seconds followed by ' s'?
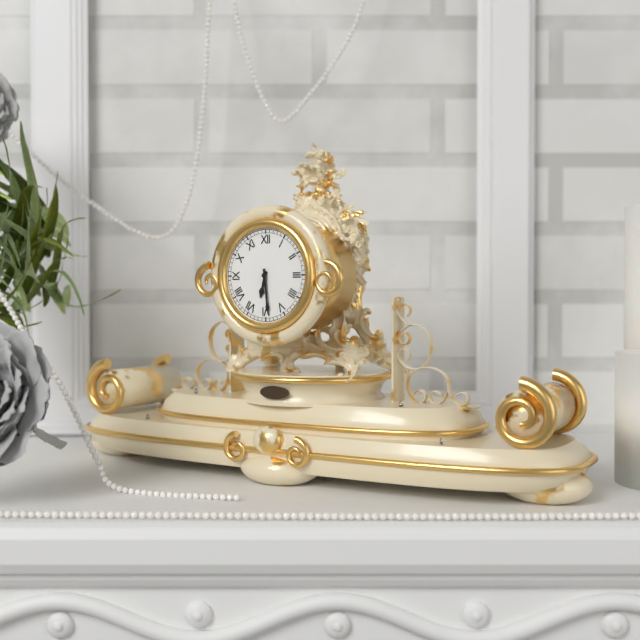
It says 6 h 29 min
